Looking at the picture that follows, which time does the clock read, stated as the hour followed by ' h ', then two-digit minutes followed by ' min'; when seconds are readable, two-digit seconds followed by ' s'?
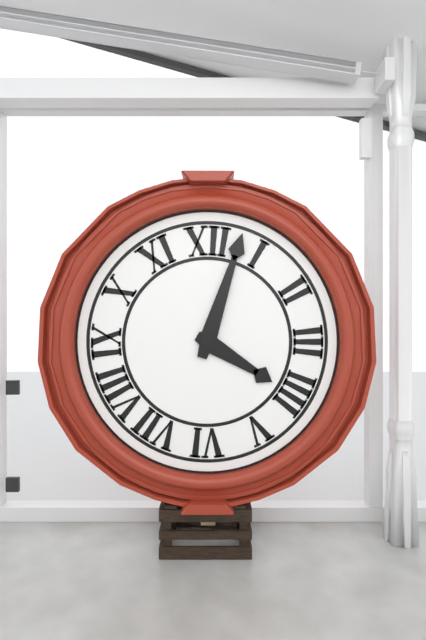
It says 4 h 03 min
